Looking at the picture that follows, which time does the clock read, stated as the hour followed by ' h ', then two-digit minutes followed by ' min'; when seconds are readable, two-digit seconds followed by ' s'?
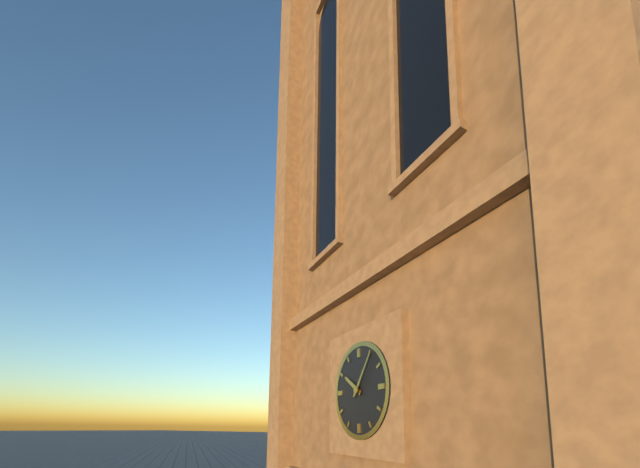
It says 10 h 06 min
